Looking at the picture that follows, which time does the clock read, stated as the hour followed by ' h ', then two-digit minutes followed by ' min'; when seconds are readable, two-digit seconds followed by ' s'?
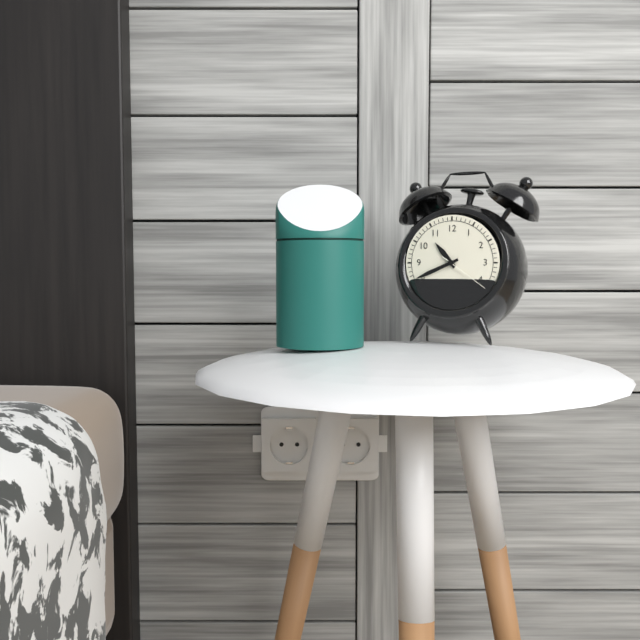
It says 10 h 41 min 21 s
